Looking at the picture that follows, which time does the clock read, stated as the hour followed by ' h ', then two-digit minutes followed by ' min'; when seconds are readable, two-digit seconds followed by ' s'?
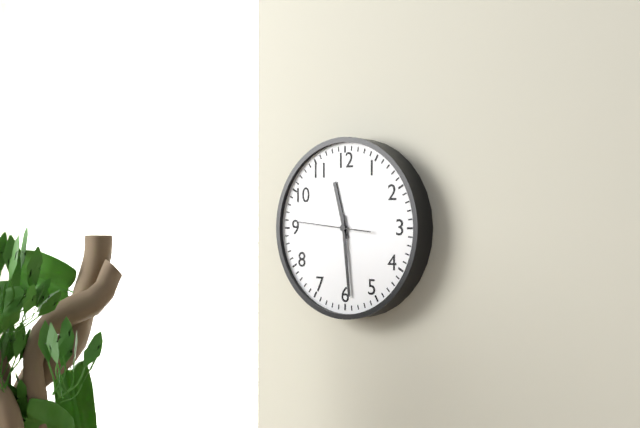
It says 11 h 29 min 46 s
